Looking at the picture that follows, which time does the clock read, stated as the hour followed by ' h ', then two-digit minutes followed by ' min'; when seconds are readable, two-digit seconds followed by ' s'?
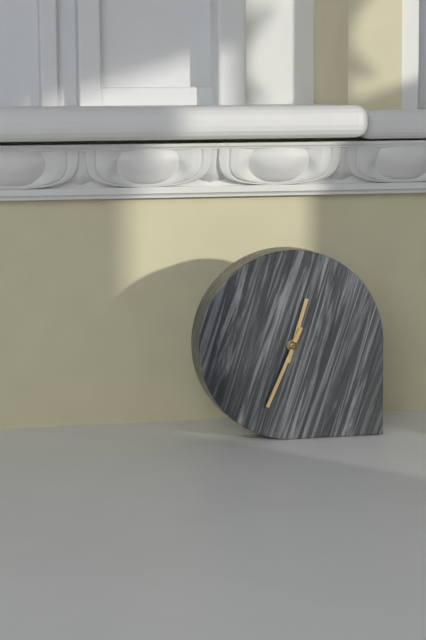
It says 12 h 34 min
